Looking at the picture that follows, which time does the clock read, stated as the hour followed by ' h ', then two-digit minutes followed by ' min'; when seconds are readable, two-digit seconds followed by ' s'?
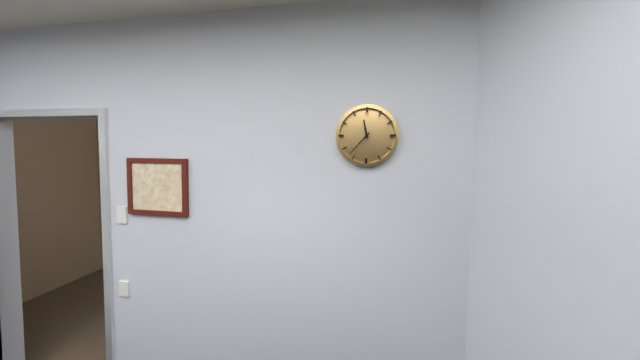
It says 11 h 37 min
